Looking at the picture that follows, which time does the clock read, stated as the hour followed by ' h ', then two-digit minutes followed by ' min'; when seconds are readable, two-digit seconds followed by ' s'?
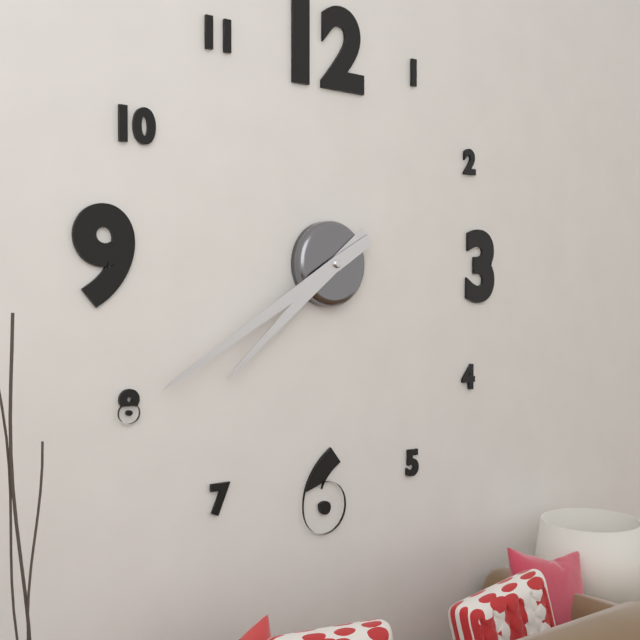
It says 7 h 40 min
